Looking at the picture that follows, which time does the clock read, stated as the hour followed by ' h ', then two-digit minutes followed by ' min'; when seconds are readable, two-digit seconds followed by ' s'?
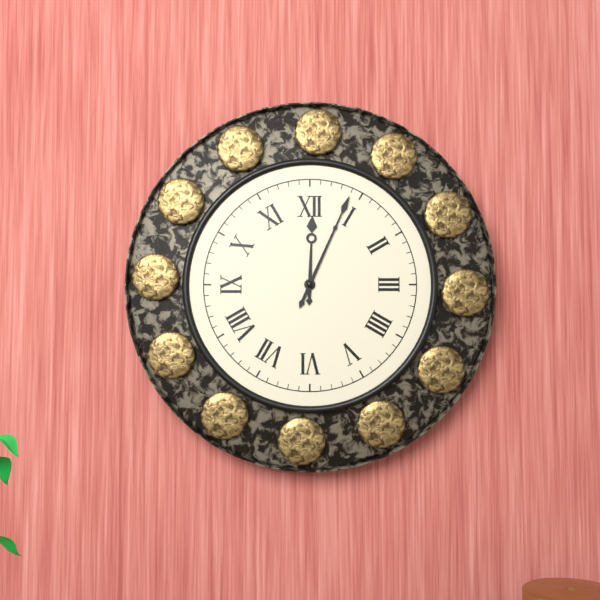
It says 12 h 04 min
